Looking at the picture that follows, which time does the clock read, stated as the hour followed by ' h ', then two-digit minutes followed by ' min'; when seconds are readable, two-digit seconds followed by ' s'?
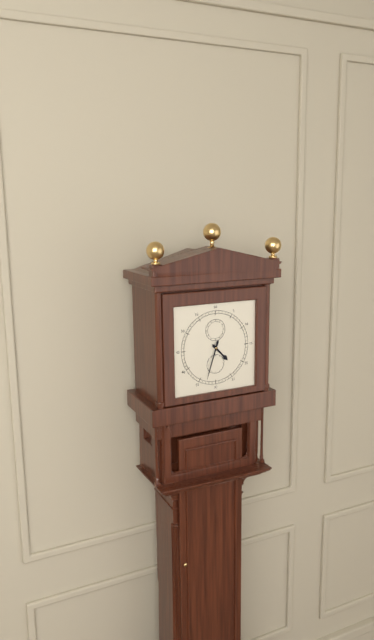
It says 4 h 33 min
